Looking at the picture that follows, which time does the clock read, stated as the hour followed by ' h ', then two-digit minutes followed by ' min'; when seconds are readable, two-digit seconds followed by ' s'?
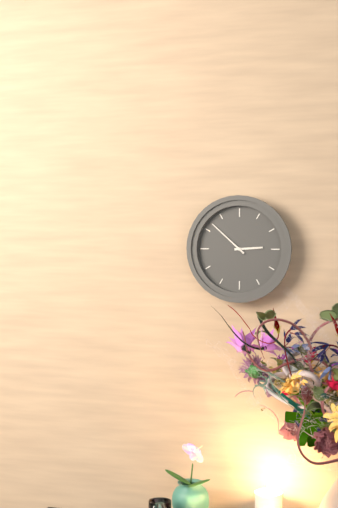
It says 2 h 52 min
